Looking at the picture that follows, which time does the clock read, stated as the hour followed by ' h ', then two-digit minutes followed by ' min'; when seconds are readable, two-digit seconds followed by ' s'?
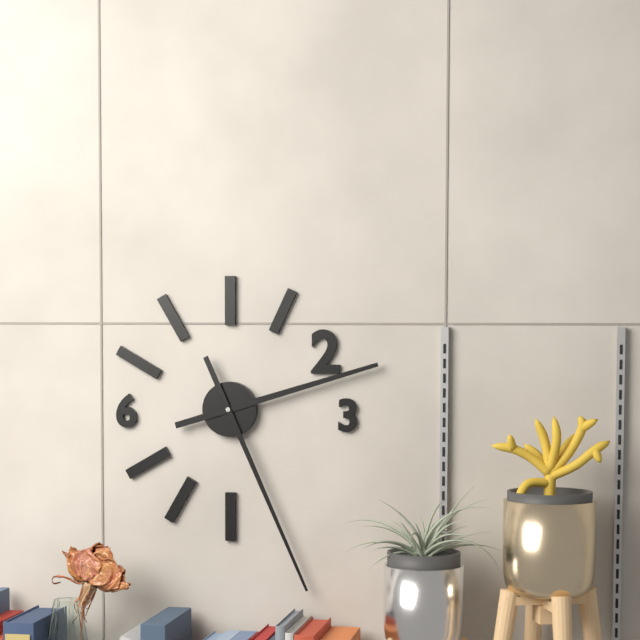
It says 2 h 26 min
